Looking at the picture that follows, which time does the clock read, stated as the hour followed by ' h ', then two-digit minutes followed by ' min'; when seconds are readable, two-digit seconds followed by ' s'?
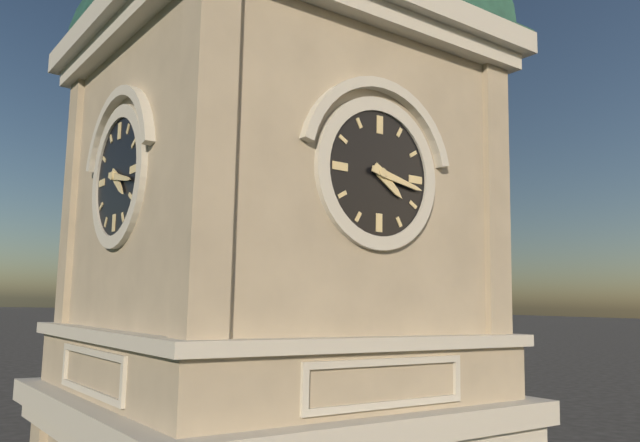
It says 4 h 17 min
